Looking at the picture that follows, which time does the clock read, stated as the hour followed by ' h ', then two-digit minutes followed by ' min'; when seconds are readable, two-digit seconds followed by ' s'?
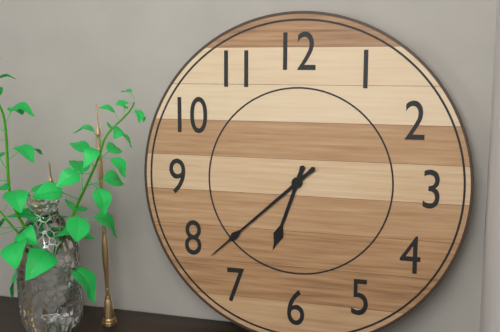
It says 6 h 38 min
